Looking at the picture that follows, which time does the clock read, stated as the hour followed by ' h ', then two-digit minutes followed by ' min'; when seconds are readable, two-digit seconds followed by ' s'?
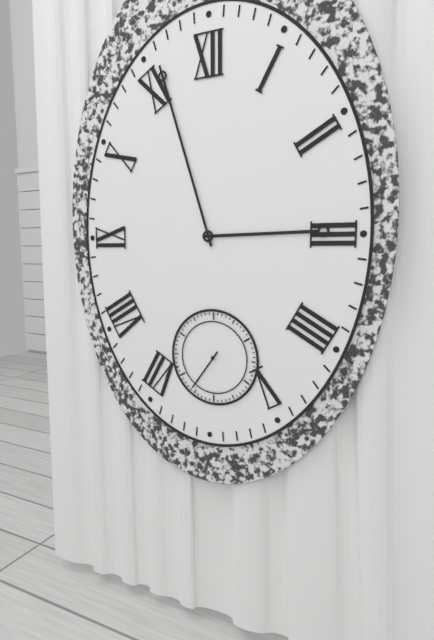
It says 2 h 57 min
